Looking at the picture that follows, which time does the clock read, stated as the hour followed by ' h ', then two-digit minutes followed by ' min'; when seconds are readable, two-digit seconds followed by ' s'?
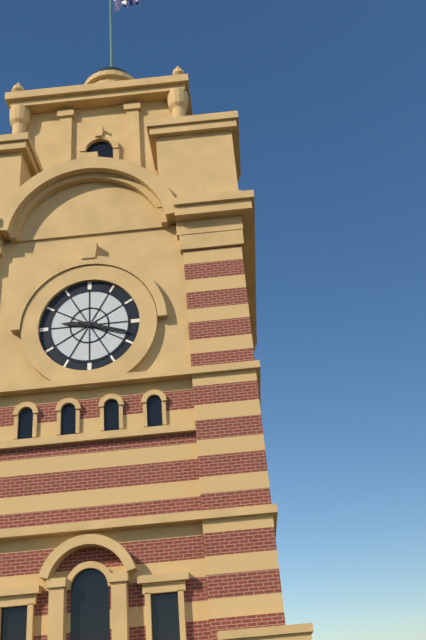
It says 9 h 18 min
